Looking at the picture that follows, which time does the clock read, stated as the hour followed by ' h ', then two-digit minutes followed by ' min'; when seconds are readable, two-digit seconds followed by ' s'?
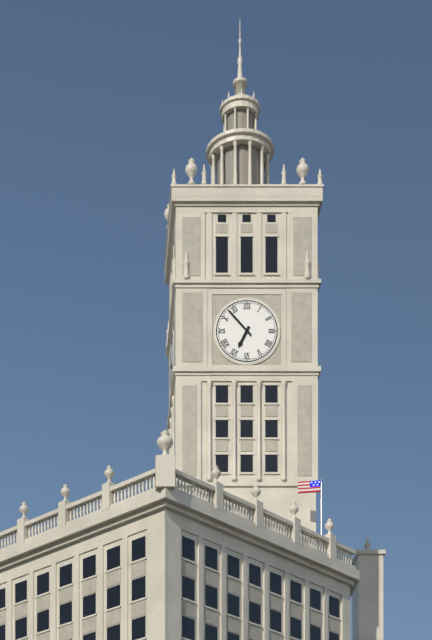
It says 6 h 53 min
